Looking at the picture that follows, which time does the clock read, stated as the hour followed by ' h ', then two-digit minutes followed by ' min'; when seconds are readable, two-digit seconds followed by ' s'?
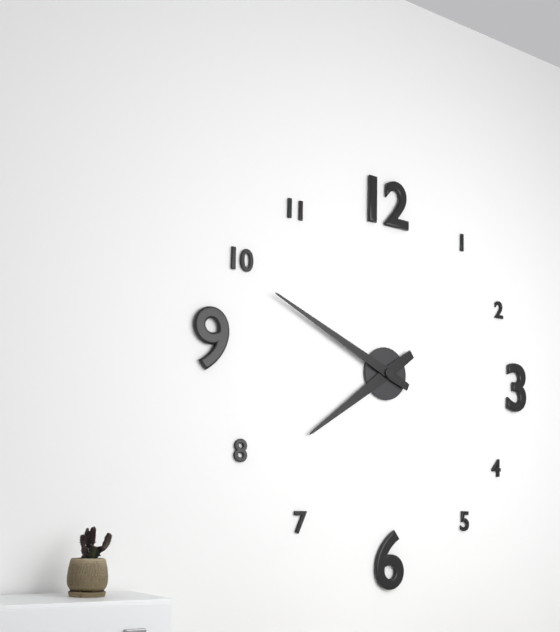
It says 7 h 49 min
